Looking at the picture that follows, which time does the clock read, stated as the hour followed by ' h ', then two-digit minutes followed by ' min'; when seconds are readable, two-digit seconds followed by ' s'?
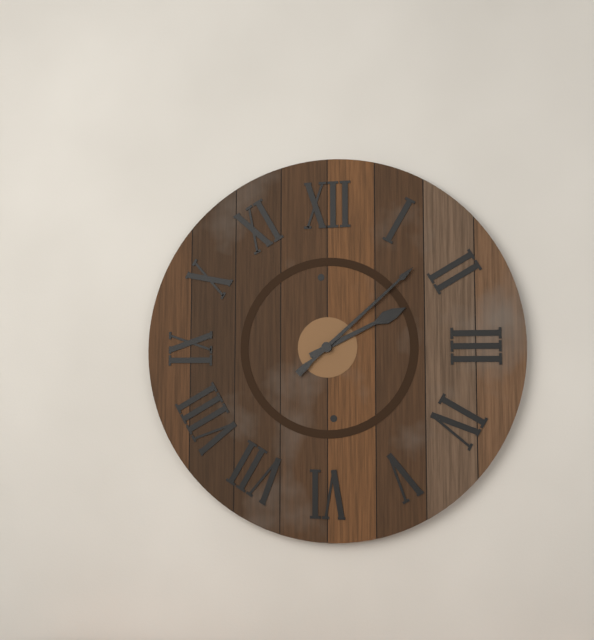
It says 2 h 08 min
